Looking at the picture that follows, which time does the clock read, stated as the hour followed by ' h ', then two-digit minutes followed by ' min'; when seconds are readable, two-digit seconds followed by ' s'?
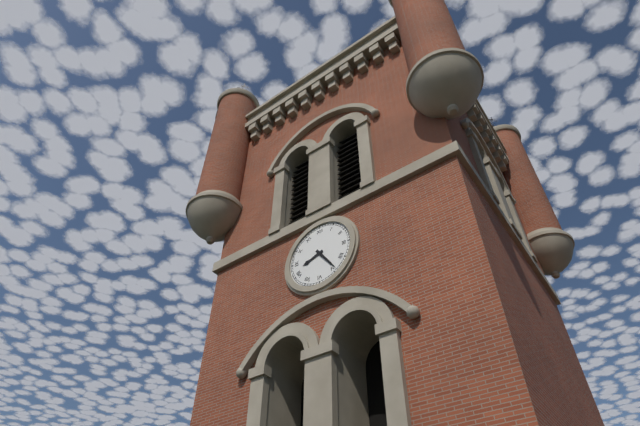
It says 8 h 24 min
